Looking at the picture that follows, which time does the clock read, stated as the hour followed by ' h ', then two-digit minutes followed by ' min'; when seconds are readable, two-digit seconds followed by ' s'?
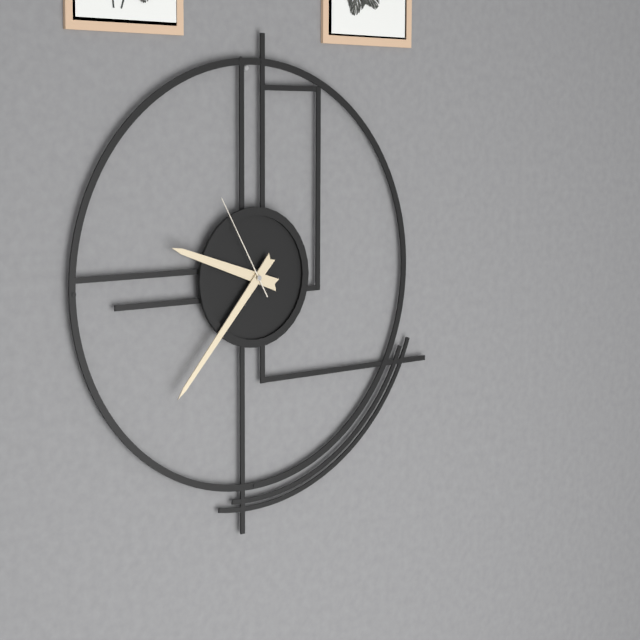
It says 9 h 37 min 55 s
